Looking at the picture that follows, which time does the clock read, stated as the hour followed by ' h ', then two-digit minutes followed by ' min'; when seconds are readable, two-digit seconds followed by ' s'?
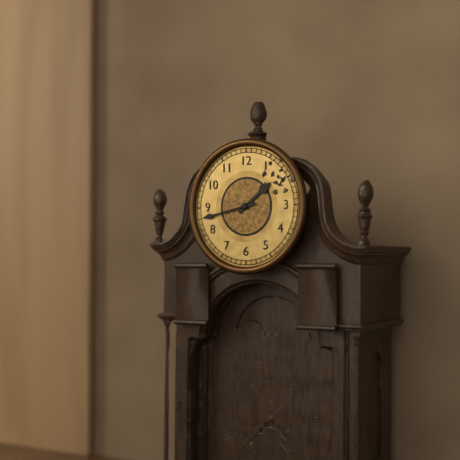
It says 1 h 43 min
